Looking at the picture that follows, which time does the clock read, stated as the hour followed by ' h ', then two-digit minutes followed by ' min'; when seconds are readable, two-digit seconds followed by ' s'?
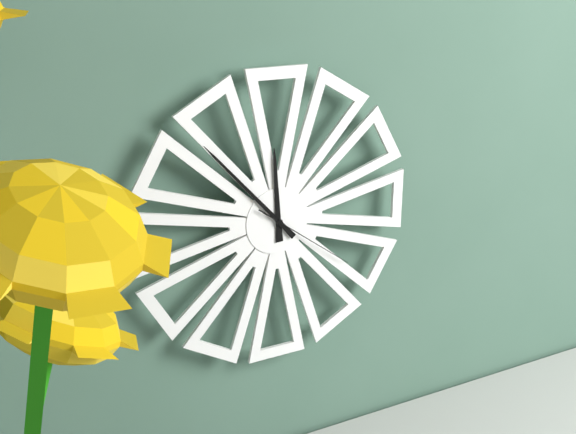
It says 11 h 53 min 21 s
